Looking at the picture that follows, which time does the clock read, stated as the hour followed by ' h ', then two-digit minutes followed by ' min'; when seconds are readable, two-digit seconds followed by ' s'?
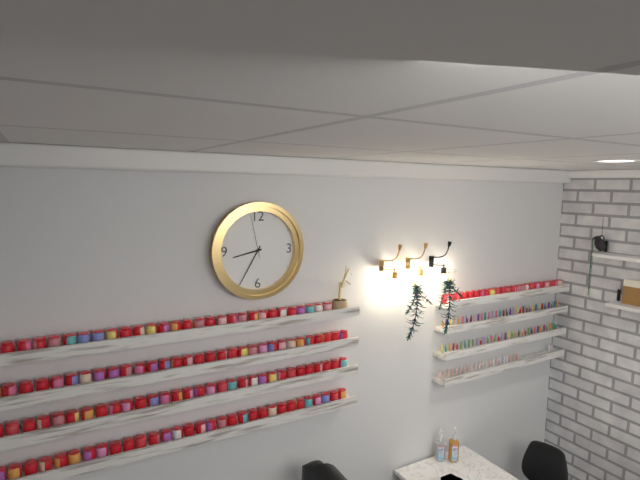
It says 8 h 35 min
